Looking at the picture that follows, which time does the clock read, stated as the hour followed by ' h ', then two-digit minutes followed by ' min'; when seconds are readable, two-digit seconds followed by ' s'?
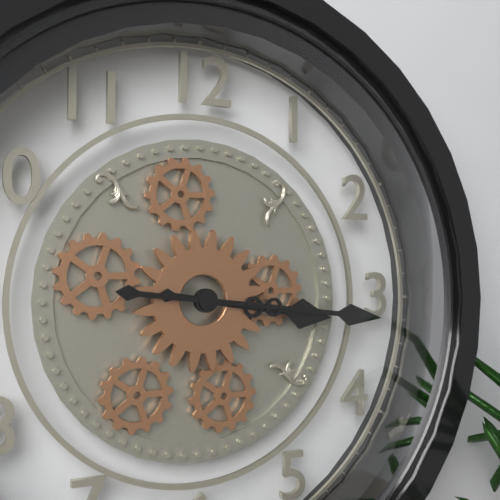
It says 3 h 16 min
